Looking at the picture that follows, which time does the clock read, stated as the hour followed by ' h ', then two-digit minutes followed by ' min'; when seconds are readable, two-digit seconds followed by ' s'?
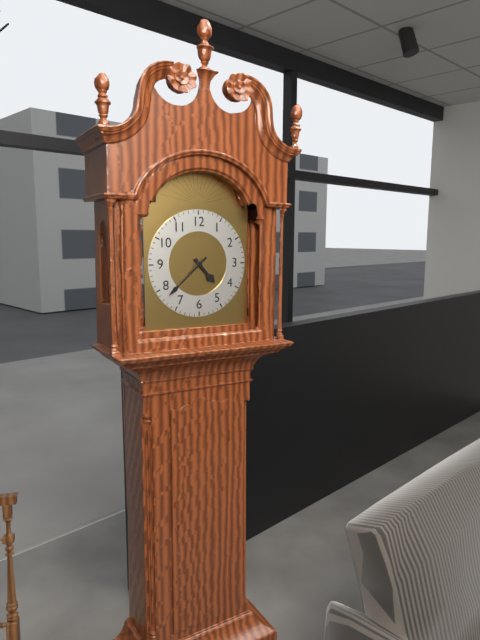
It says 4 h 38 min
